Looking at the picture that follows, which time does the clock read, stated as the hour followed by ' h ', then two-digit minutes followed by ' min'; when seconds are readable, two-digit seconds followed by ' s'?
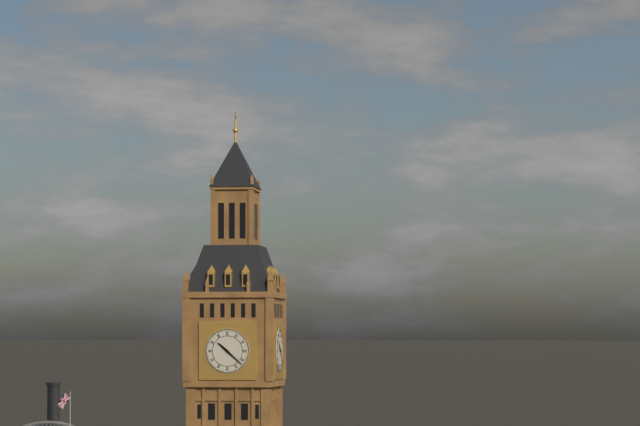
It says 10 h 22 min
